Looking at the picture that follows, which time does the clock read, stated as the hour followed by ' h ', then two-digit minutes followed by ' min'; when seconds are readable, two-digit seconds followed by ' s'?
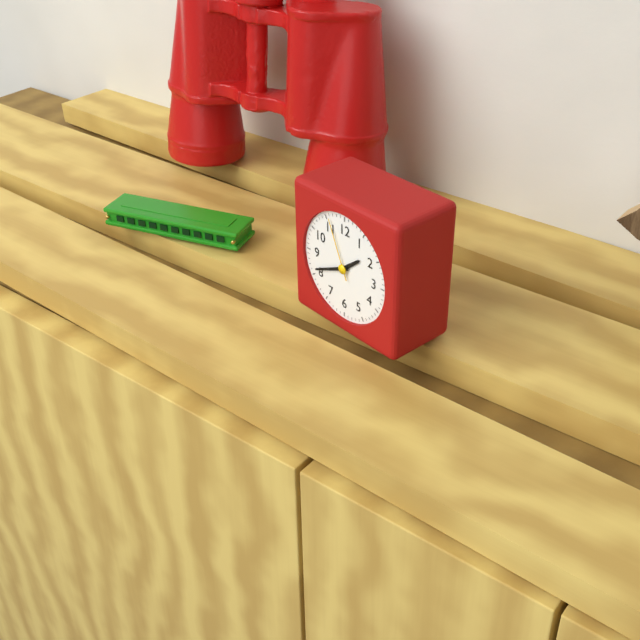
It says 1 h 41 min 56 s
